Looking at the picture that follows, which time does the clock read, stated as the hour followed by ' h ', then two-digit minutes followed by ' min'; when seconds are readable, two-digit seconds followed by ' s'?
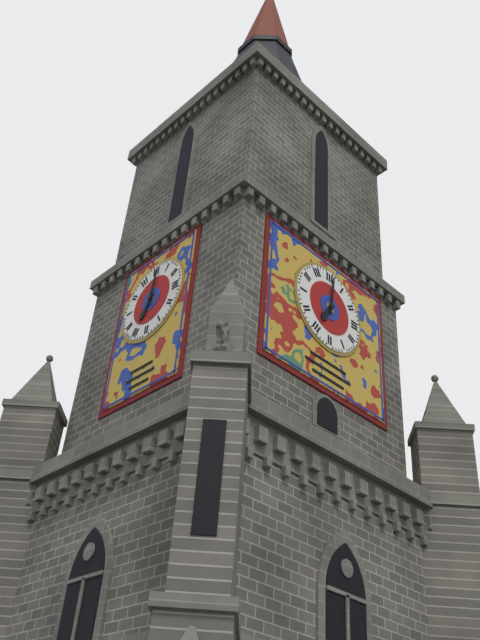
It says 7 h 01 min
